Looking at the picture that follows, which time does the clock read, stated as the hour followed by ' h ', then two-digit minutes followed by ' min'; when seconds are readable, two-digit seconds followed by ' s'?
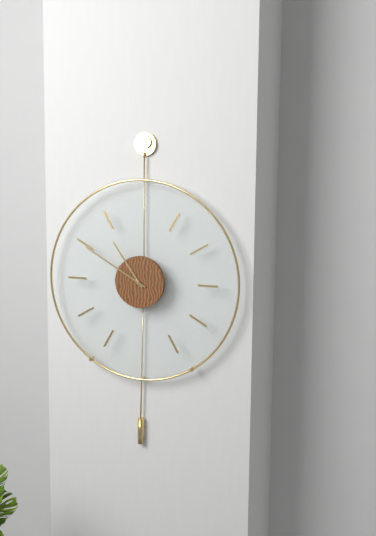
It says 10 h 50 min
